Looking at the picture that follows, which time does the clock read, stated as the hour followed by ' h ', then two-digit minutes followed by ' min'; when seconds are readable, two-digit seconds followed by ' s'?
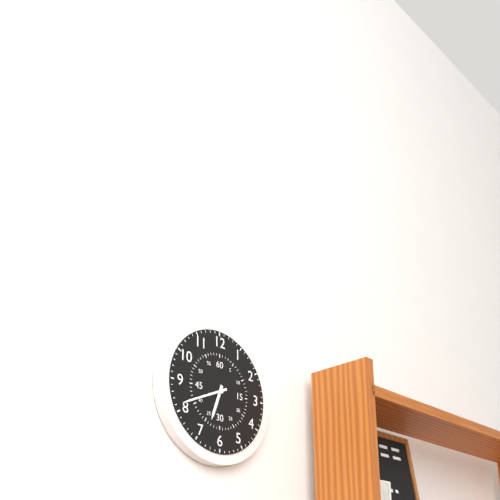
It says 6 h 41 min
